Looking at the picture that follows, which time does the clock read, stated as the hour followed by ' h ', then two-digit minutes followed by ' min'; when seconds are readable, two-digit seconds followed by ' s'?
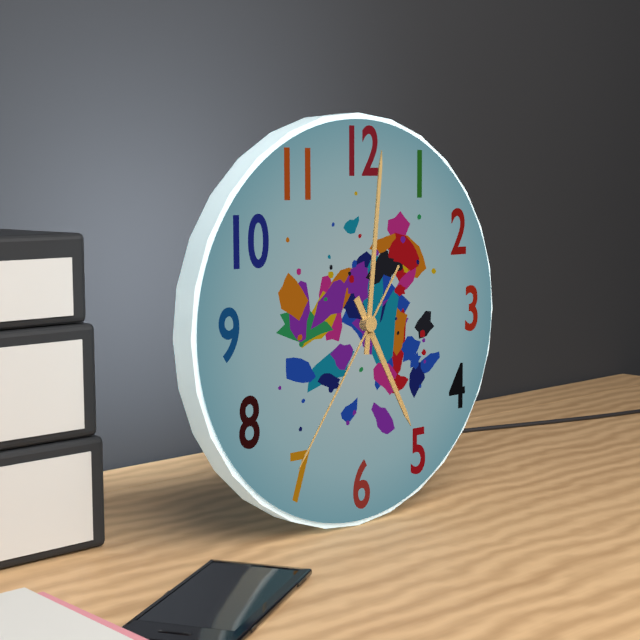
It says 5 h 01 min 36 s
